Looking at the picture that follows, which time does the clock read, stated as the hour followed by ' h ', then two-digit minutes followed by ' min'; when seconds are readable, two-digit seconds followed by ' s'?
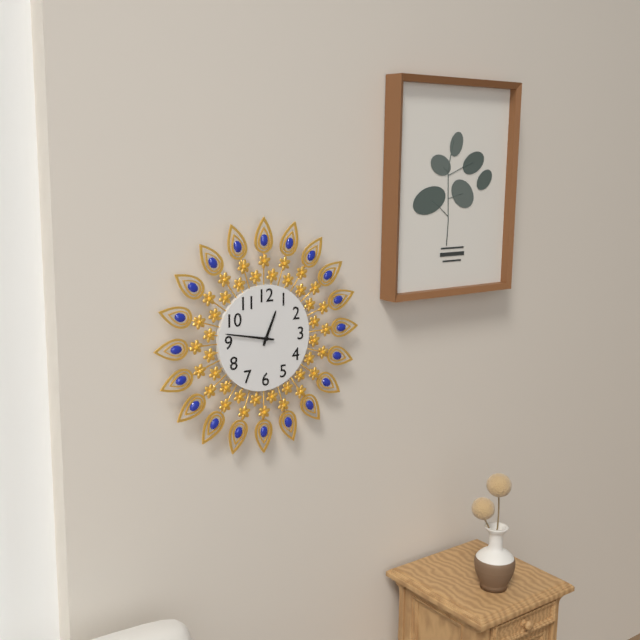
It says 12 h 47 min
